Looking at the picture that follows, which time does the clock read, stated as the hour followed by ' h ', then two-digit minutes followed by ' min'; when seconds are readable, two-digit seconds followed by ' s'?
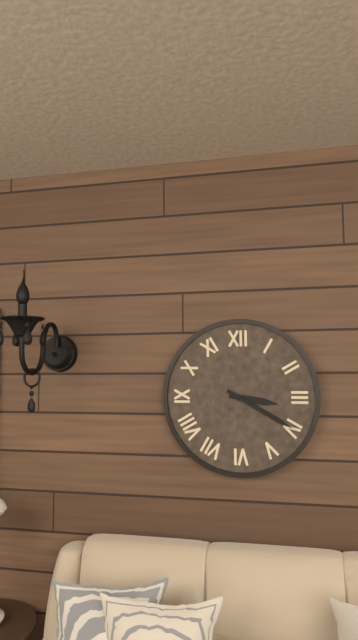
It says 3 h 20 min
